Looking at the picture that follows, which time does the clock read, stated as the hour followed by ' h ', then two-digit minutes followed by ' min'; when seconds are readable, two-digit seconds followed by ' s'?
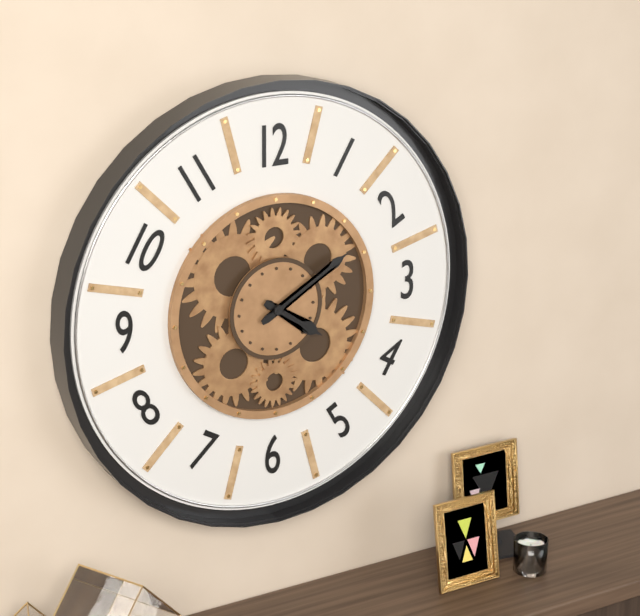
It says 4 h 10 min
